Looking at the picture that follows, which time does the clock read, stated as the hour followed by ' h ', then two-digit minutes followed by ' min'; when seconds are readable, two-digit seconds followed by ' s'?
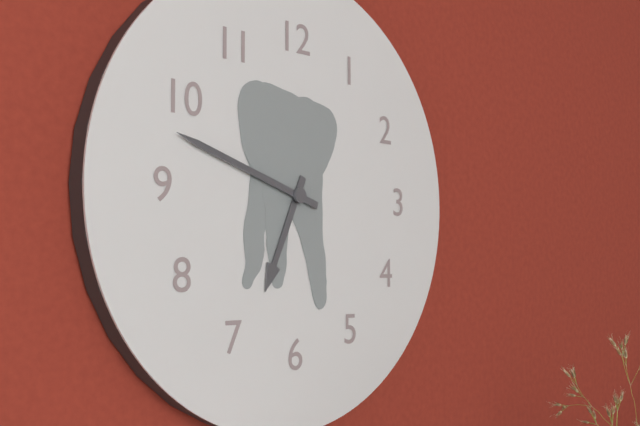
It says 6 h 48 min
